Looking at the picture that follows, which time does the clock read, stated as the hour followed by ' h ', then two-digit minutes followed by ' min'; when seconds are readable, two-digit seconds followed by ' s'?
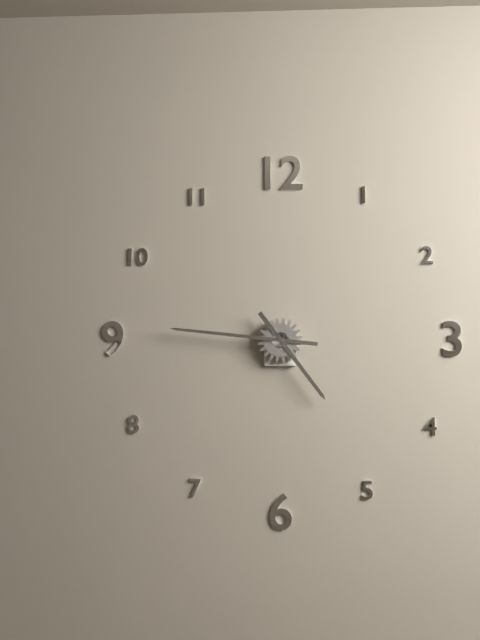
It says 4 h 46 min
